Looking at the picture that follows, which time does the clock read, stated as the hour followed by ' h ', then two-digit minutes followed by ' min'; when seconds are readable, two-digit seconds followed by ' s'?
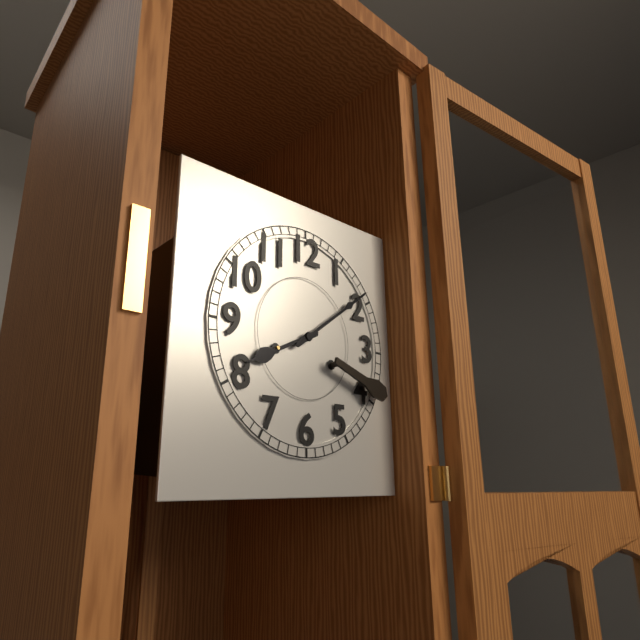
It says 8 h 09 min
